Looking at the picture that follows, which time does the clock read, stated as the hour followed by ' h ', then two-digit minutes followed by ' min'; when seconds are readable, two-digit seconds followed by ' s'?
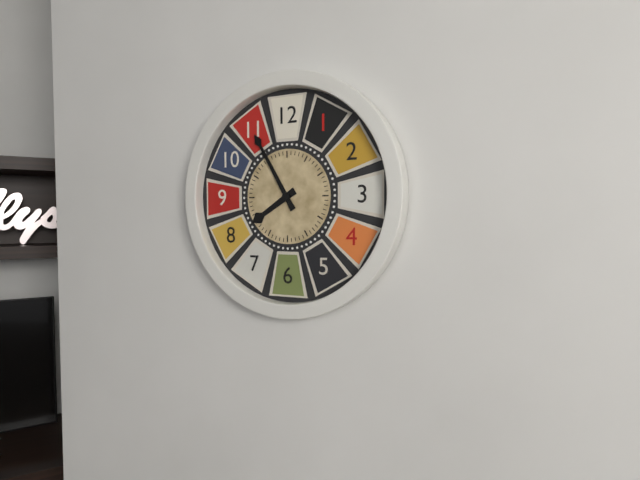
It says 7 h 55 min
